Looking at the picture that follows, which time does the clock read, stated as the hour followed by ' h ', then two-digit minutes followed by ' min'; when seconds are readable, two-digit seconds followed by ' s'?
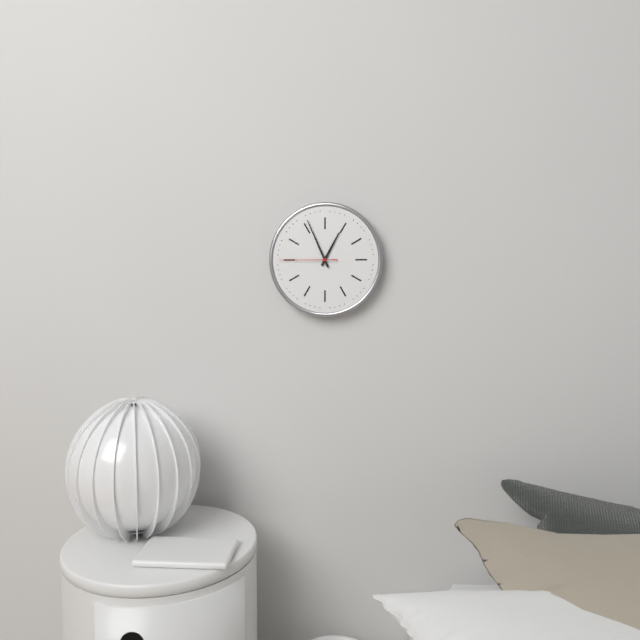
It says 12 h 56 min 45 s
